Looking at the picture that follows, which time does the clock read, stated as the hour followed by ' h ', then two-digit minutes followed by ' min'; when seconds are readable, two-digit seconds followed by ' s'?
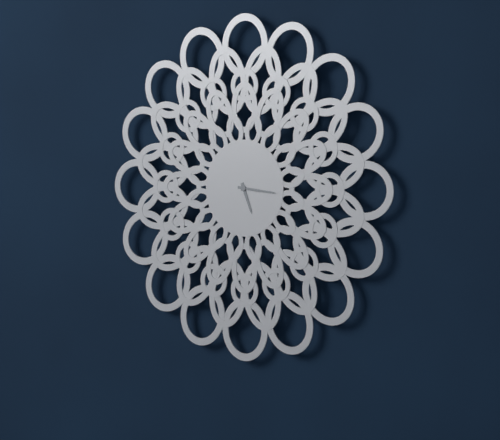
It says 5 h 16 min
